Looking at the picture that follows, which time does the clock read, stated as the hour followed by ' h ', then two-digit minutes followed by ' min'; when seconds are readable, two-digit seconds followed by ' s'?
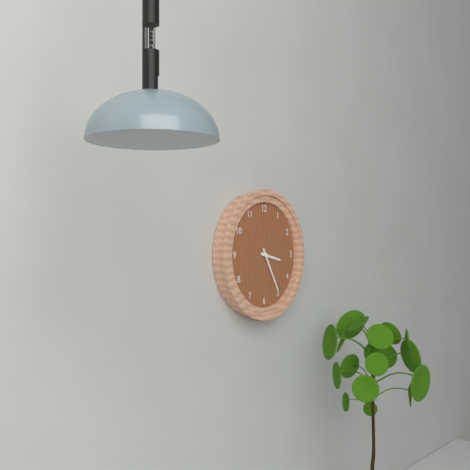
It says 3 h 25 min
